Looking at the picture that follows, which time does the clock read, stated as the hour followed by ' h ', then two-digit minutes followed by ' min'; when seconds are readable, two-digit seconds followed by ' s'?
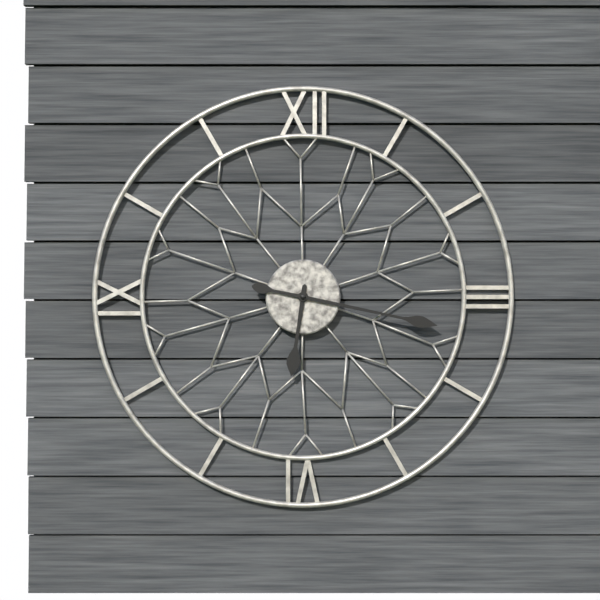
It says 6 h 17 min
